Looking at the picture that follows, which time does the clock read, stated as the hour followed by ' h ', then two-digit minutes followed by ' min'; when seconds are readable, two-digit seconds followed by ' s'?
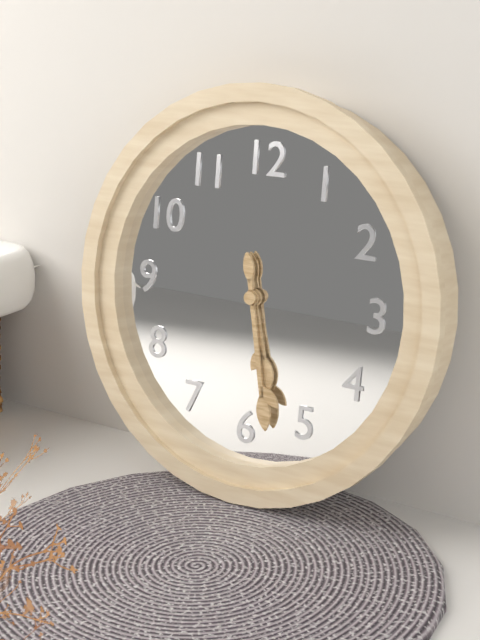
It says 5 h 28 min
